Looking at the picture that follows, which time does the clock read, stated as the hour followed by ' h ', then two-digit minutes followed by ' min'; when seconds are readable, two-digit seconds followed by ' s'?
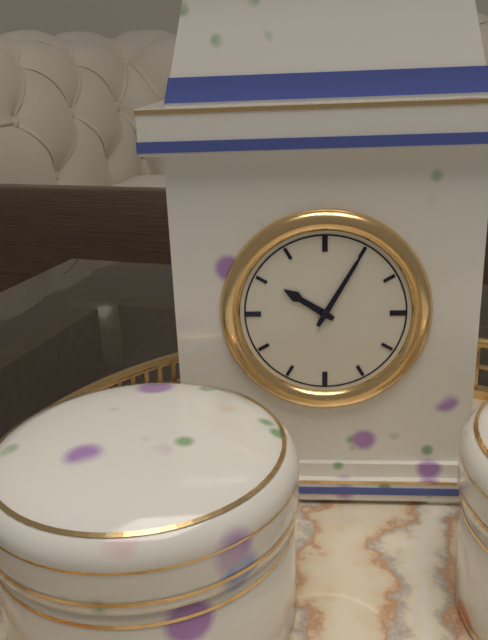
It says 10 h 05 min
